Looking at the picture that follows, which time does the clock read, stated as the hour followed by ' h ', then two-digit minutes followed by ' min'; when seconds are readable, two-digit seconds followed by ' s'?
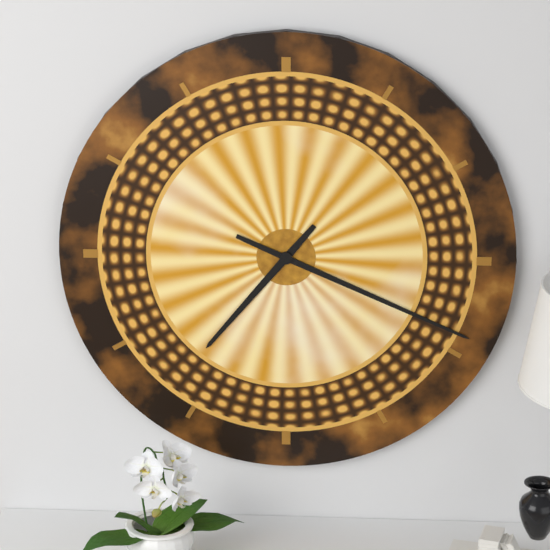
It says 7 h 19 min
